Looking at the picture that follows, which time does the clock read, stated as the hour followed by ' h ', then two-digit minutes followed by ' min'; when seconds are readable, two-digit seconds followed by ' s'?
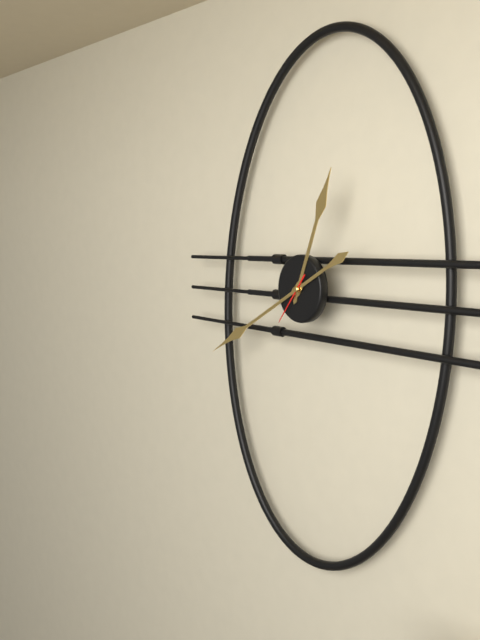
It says 12 h 40 min
